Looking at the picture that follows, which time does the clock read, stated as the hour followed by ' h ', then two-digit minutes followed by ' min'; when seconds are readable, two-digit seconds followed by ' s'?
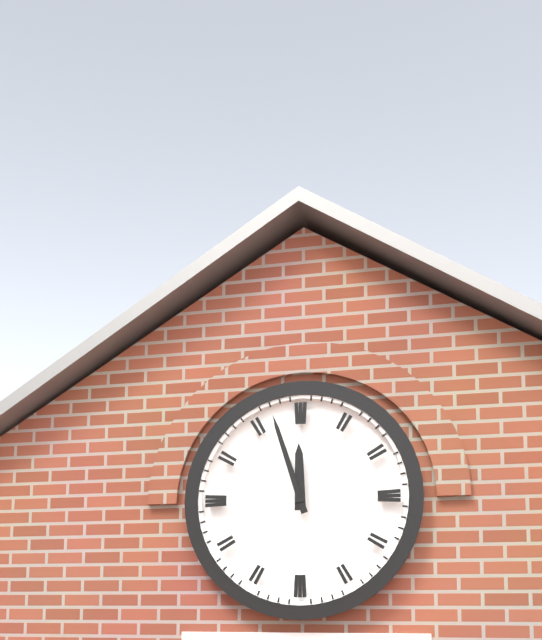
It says 11 h 57 min
